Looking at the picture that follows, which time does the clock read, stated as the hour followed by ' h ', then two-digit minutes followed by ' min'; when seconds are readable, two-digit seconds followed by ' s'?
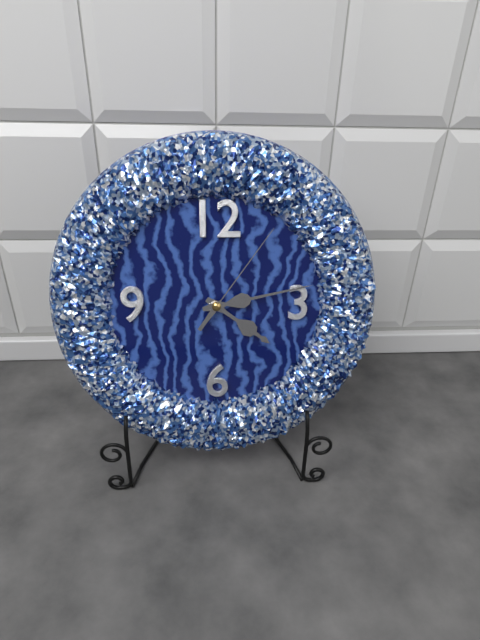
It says 4 h 13 min 06 s
